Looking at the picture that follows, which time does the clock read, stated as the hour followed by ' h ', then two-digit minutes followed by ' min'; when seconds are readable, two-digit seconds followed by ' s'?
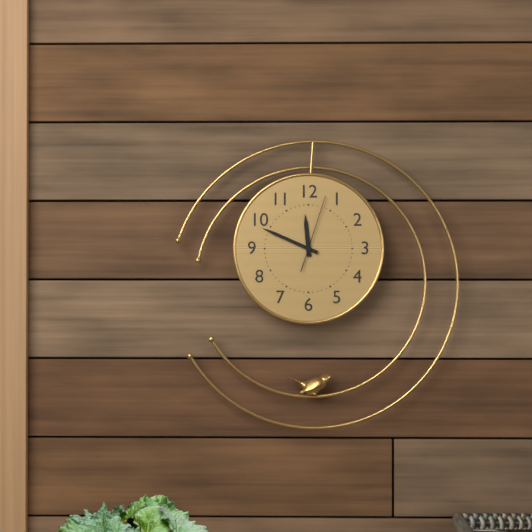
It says 11 h 49 min 03 s
